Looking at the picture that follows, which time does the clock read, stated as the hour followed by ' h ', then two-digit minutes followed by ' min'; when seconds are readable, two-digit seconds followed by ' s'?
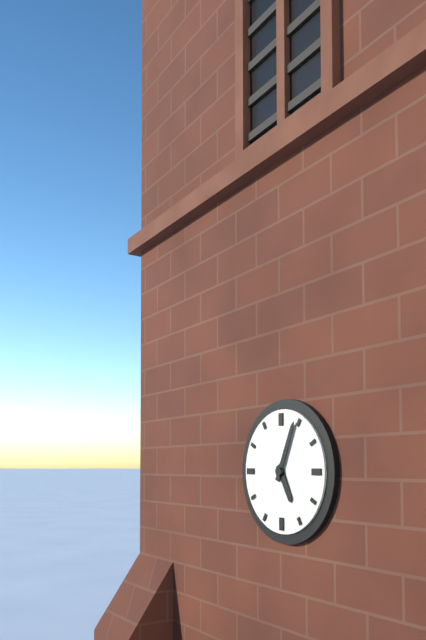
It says 5 h 04 min
